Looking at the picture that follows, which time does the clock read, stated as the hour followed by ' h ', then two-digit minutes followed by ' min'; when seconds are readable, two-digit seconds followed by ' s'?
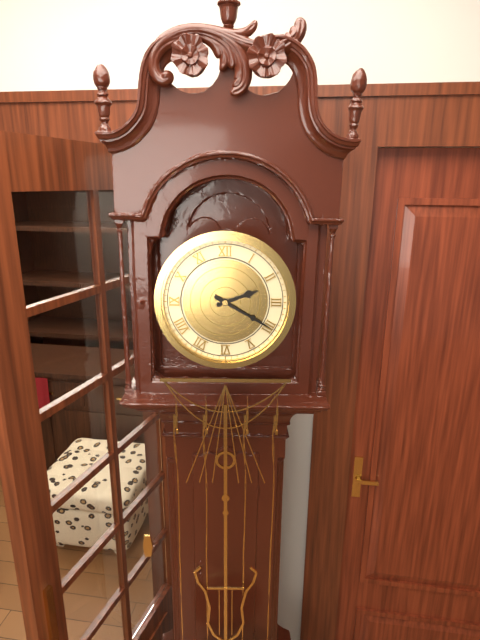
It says 2 h 20 min
